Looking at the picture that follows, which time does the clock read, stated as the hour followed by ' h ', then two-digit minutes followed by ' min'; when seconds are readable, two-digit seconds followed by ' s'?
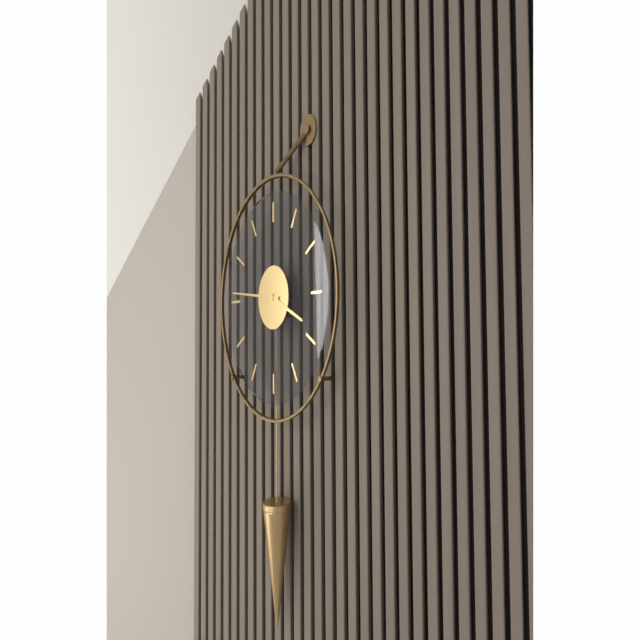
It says 3 h 46 min
